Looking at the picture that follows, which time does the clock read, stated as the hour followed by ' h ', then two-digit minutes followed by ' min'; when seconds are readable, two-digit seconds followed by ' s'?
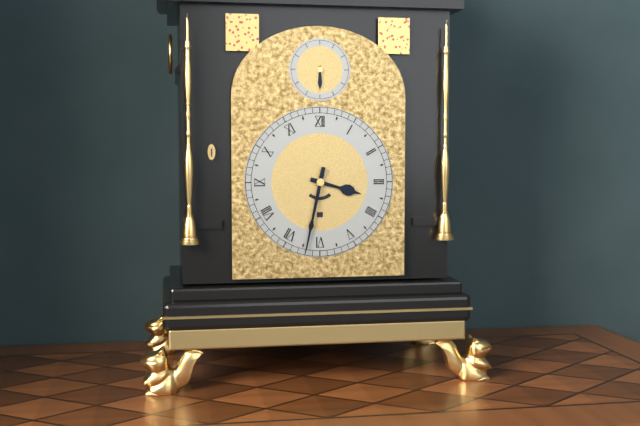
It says 3 h 32 min
